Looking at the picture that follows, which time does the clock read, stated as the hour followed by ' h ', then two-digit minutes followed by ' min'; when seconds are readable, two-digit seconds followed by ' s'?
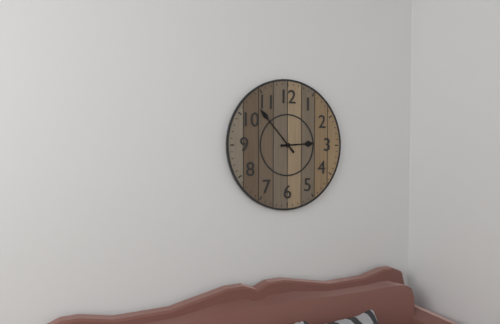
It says 2 h 53 min
